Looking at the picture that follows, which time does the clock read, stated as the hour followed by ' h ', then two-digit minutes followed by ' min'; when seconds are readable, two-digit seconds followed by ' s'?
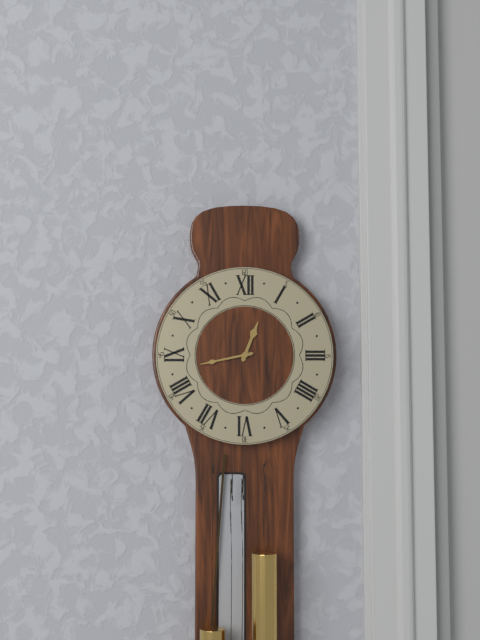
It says 12 h 43 min
